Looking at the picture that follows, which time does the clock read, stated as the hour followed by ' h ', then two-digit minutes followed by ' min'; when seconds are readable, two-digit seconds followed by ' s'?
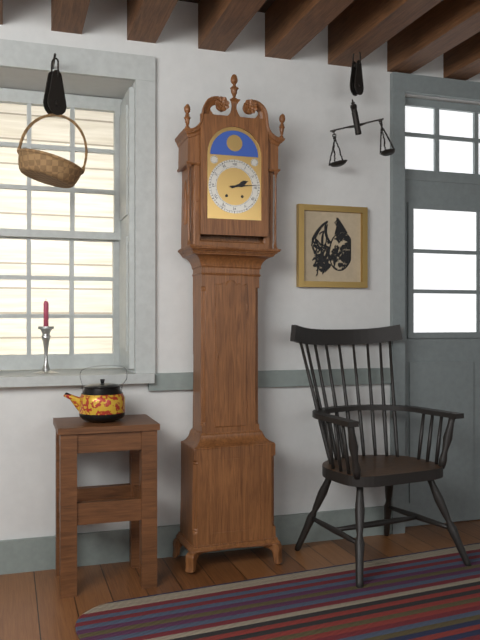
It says 2 h 14 min
